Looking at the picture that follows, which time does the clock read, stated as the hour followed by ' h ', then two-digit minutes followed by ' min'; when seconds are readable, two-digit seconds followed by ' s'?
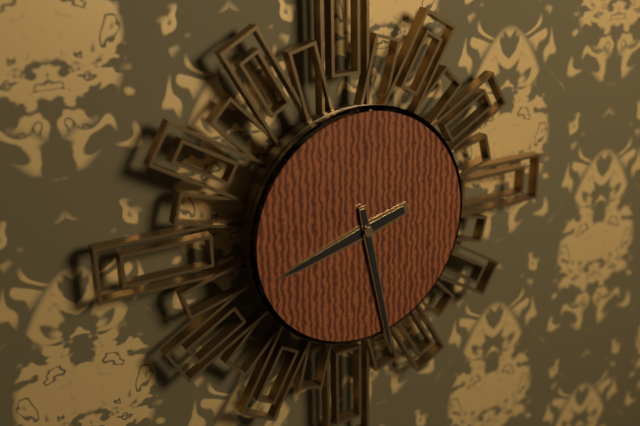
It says 8 h 28 min
